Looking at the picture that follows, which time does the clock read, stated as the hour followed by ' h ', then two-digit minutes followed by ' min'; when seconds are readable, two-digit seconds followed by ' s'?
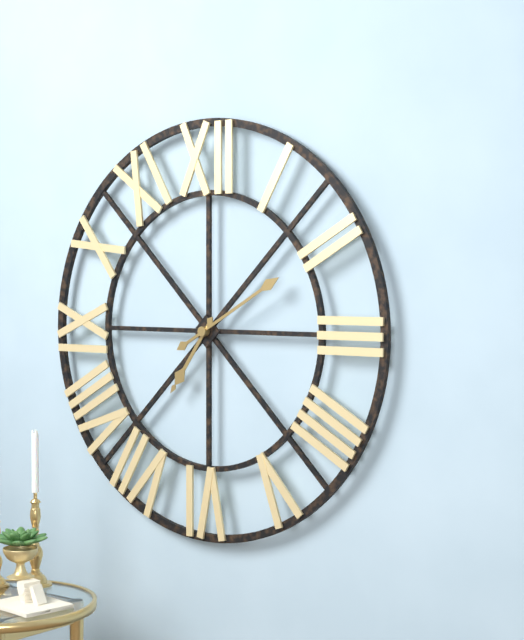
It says 7 h 10 min
